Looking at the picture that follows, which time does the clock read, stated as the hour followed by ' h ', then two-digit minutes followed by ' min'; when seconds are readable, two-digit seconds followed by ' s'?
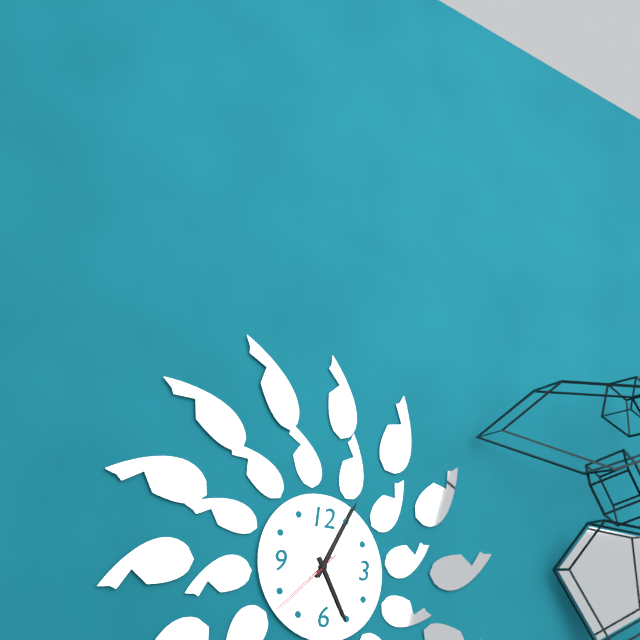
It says 5 h 05 min 38 s
